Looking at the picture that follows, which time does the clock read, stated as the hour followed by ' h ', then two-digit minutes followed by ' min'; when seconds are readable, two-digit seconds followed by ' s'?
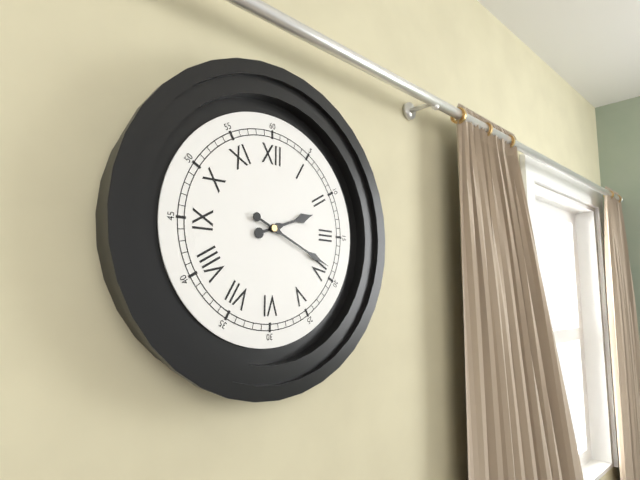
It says 2 h 19 min
